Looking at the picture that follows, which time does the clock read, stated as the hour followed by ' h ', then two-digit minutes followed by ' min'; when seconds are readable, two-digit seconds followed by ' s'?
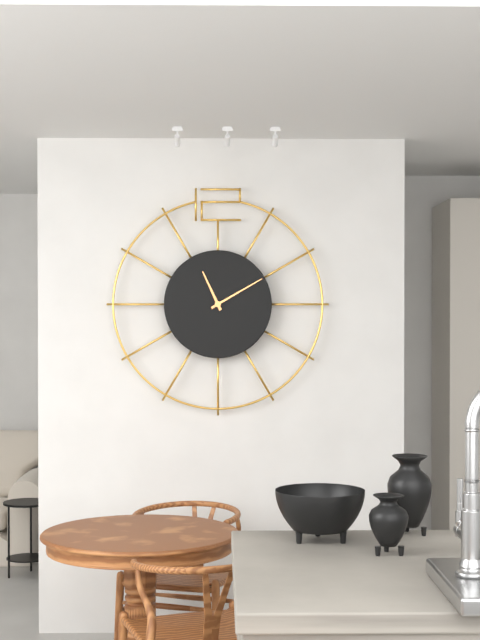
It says 11 h 10 min
